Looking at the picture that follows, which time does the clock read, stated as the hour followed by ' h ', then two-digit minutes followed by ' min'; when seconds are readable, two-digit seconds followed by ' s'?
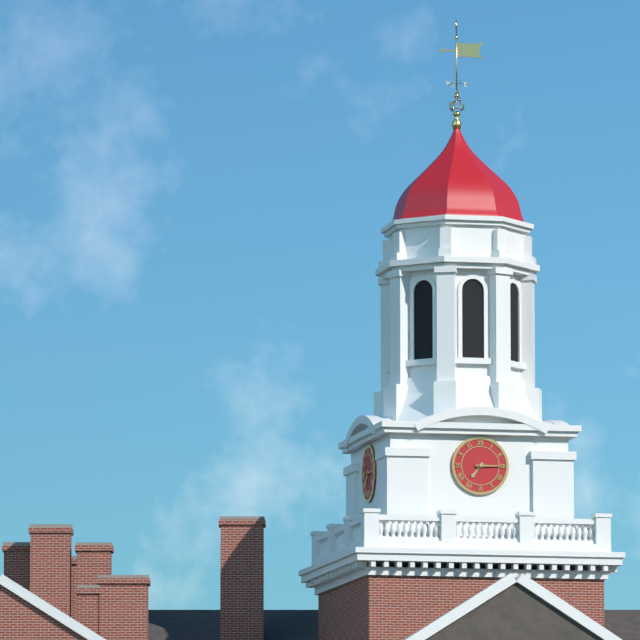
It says 7 h 15 min
